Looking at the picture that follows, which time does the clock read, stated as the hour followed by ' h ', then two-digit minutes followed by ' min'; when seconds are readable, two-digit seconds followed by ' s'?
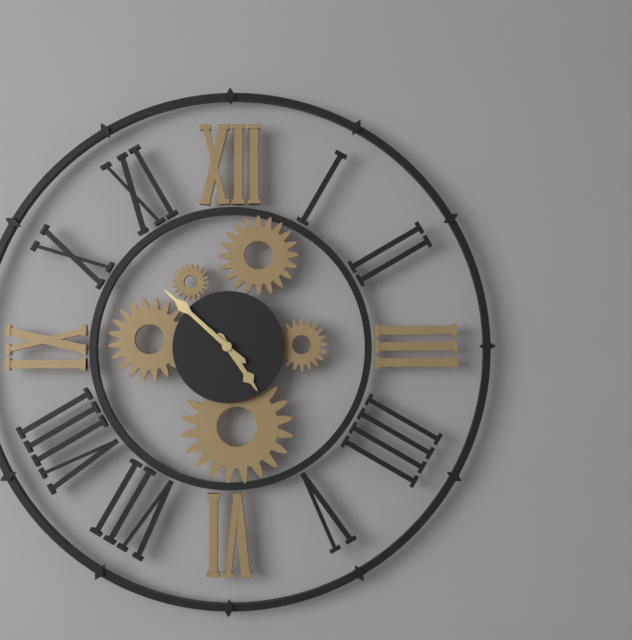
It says 4 h 52 min
